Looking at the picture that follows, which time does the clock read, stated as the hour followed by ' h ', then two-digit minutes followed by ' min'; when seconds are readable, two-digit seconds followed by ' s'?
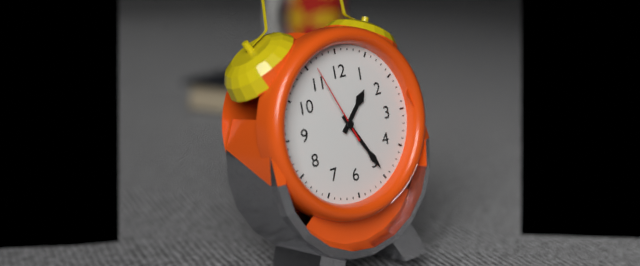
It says 1 h 25 min 56 s
